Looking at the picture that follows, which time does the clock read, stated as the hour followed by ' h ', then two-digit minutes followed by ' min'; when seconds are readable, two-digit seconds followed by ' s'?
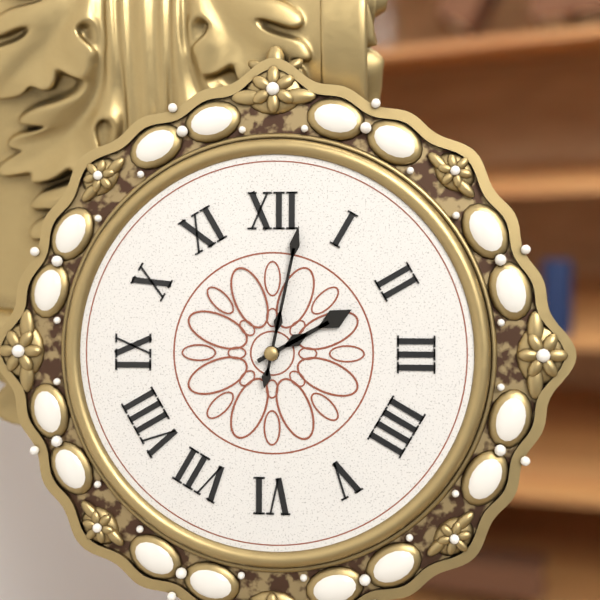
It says 2 h 02 min
